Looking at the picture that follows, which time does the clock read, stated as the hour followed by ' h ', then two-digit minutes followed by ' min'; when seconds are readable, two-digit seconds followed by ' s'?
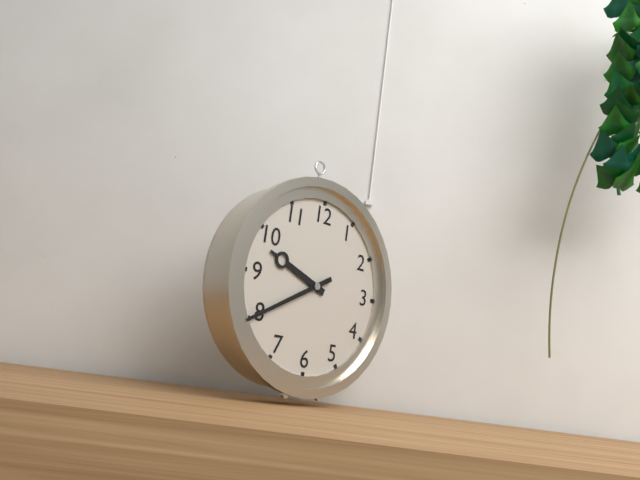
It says 9 h 40 min
